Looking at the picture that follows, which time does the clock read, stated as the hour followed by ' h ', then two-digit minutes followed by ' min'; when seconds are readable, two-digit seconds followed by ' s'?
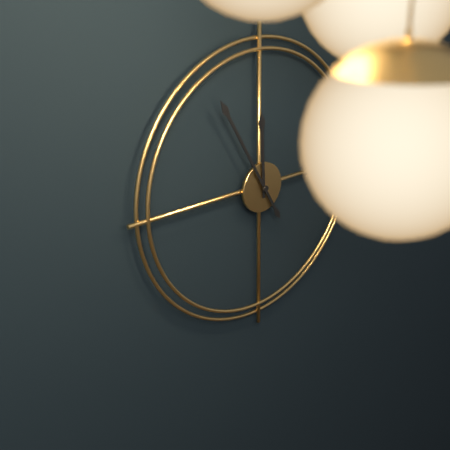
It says 11 h 55 min
